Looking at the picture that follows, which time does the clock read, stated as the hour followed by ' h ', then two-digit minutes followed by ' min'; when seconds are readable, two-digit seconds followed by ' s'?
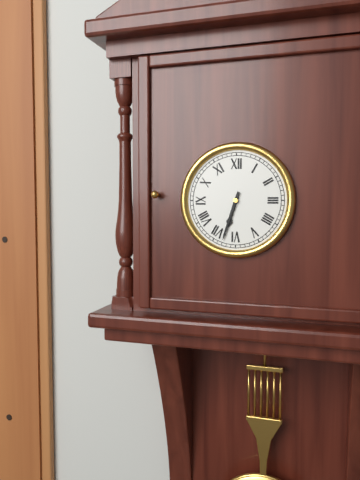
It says 6 h 33 min
